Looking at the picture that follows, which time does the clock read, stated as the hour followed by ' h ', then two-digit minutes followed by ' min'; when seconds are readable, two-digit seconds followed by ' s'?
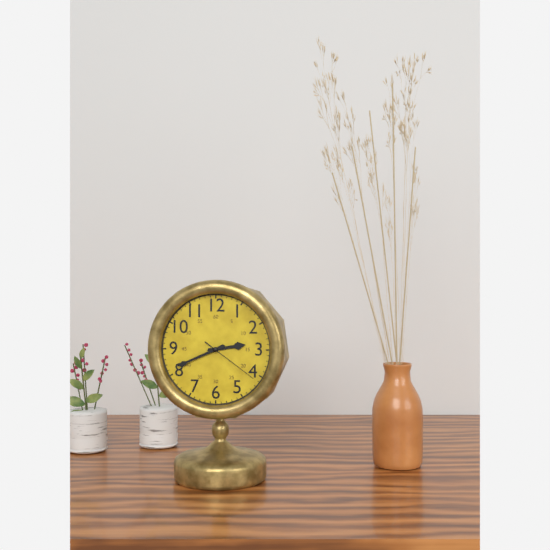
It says 2 h 41 min 21 s
